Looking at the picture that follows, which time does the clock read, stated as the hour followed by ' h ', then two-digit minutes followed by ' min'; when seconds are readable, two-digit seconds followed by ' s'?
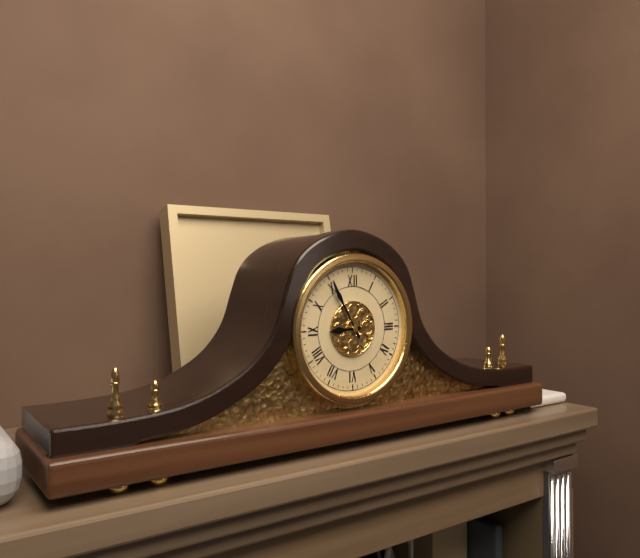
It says 8 h 55 min
